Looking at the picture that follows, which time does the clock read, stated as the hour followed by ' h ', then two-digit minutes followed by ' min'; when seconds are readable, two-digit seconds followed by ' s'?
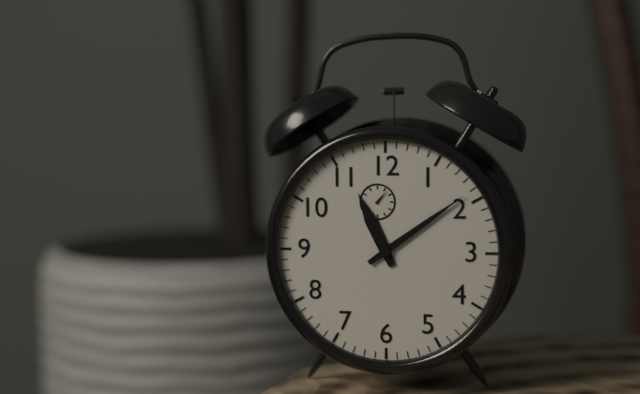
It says 11 h 09 min
